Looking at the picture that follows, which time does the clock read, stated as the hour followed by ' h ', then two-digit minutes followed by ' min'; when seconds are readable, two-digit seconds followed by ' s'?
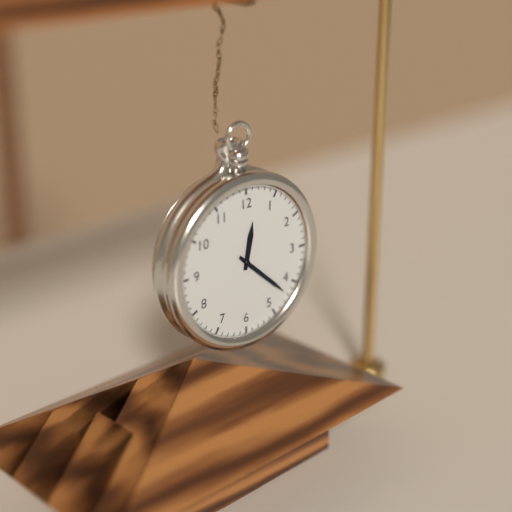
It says 12 h 22 min
